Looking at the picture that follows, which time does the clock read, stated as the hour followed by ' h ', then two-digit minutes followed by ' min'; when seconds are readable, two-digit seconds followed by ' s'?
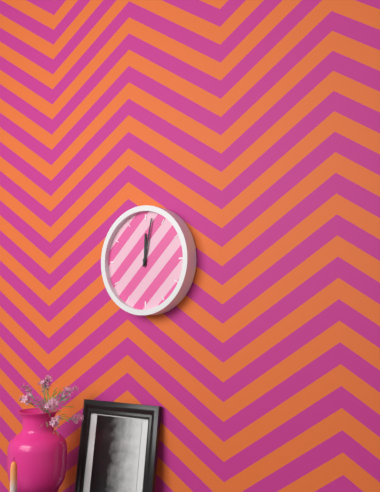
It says 12 h 02 min
